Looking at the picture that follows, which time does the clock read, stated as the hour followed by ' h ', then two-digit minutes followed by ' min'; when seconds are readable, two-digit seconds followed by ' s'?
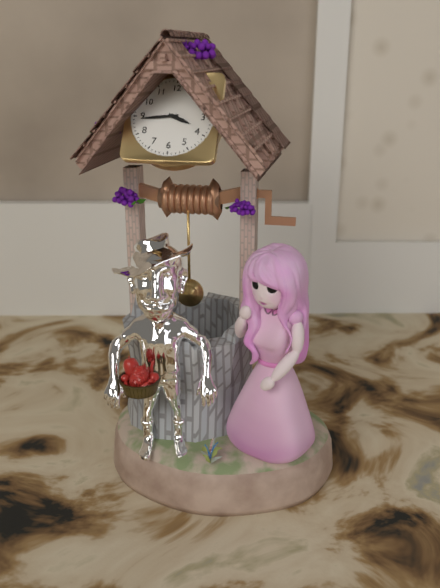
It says 3 h 44 min
